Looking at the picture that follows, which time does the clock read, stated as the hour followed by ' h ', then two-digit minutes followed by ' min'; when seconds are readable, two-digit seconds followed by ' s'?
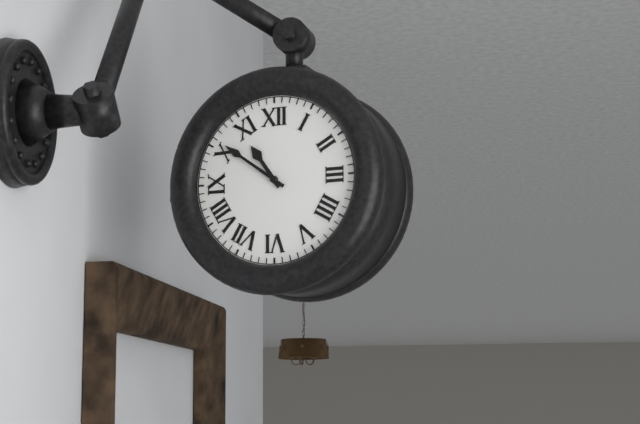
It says 10 h 51 min
